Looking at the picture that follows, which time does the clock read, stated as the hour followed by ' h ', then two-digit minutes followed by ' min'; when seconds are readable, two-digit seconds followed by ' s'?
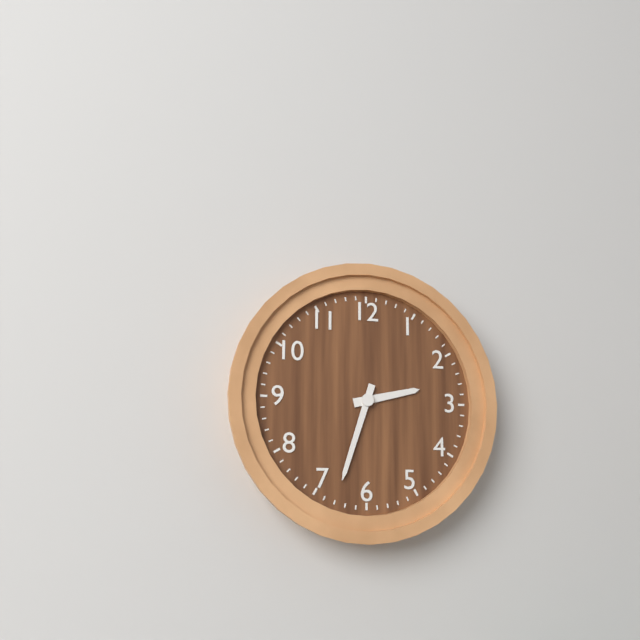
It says 2 h 33 min
